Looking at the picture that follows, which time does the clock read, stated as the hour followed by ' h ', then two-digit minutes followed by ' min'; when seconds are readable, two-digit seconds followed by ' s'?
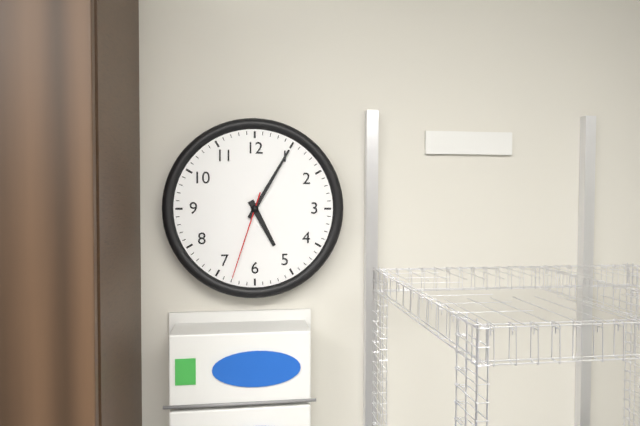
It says 5 h 05 min 33 s
